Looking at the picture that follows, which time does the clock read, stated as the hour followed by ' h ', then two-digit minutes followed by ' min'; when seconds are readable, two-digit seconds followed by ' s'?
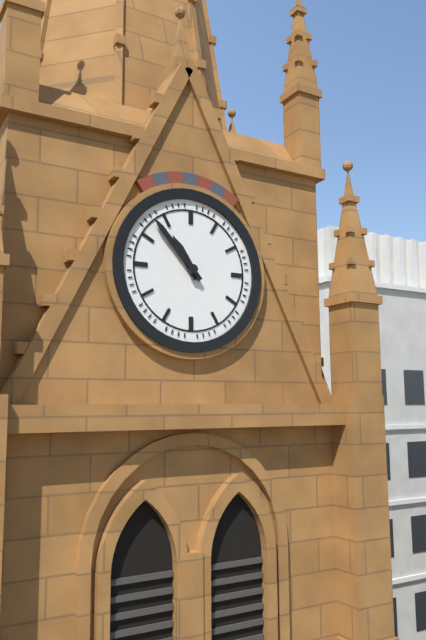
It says 10 h 53 min
